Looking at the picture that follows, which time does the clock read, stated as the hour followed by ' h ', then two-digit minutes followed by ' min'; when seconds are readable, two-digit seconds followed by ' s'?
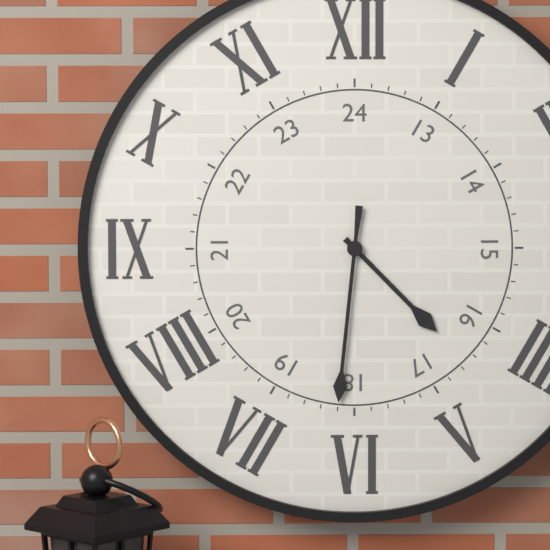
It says 4 h 31 min
